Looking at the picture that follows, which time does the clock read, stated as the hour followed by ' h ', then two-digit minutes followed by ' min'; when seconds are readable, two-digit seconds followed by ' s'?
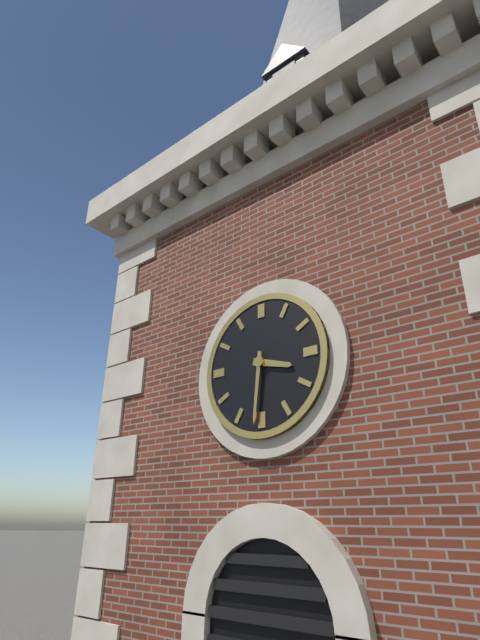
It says 3 h 31 min
